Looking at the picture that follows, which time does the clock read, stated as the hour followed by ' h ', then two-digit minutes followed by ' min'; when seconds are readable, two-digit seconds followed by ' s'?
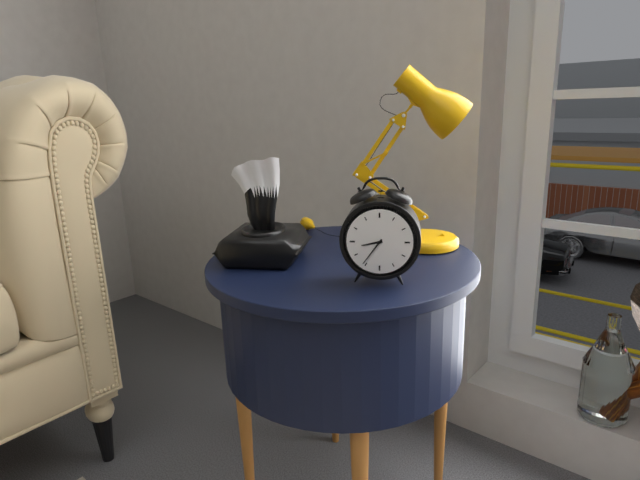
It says 8 h 36 min
